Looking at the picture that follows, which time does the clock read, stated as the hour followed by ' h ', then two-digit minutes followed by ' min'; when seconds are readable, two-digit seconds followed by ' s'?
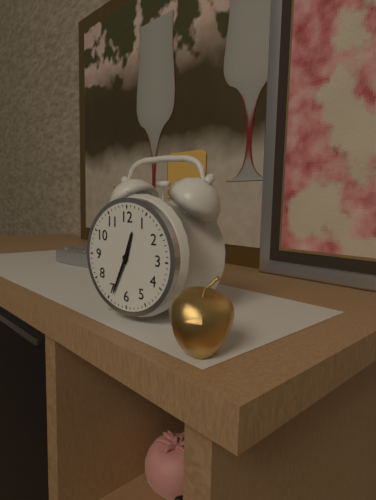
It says 12 h 34 min
